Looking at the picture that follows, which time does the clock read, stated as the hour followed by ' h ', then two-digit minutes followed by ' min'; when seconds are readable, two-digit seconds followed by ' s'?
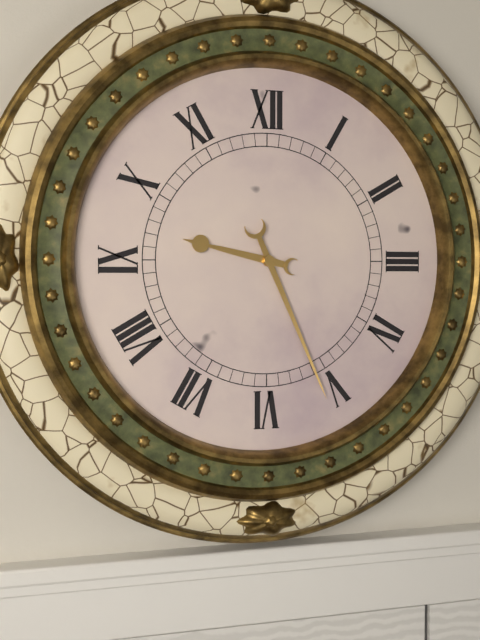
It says 9 h 26 min
